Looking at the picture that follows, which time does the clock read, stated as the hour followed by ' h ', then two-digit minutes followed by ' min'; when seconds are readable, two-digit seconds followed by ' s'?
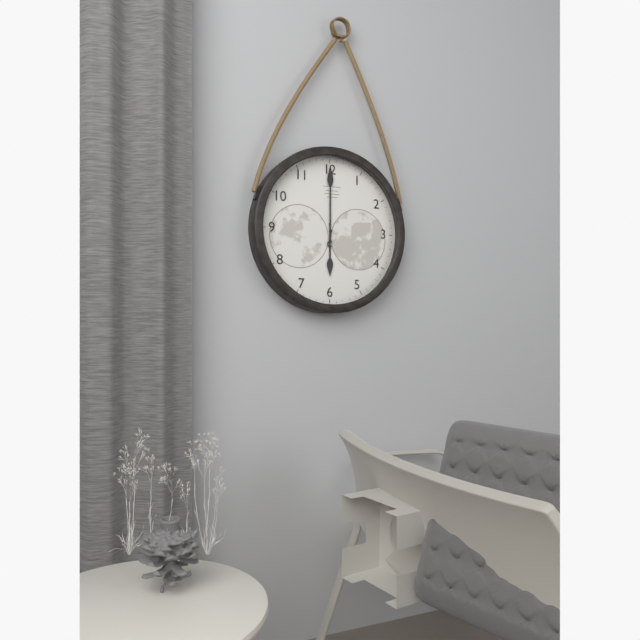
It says 6 h 00 min
